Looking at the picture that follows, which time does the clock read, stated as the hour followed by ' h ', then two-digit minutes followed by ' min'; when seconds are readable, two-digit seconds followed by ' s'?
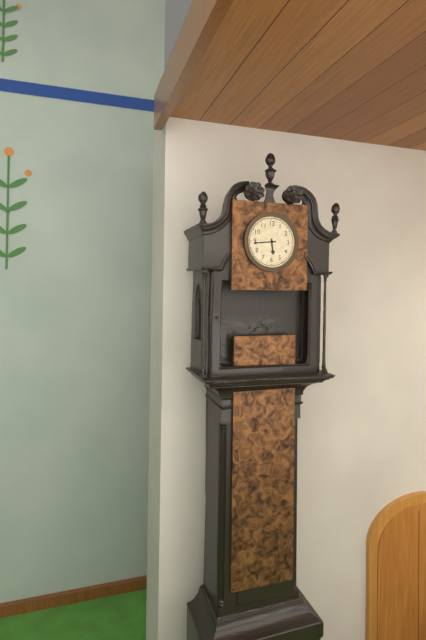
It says 5 h 44 min
